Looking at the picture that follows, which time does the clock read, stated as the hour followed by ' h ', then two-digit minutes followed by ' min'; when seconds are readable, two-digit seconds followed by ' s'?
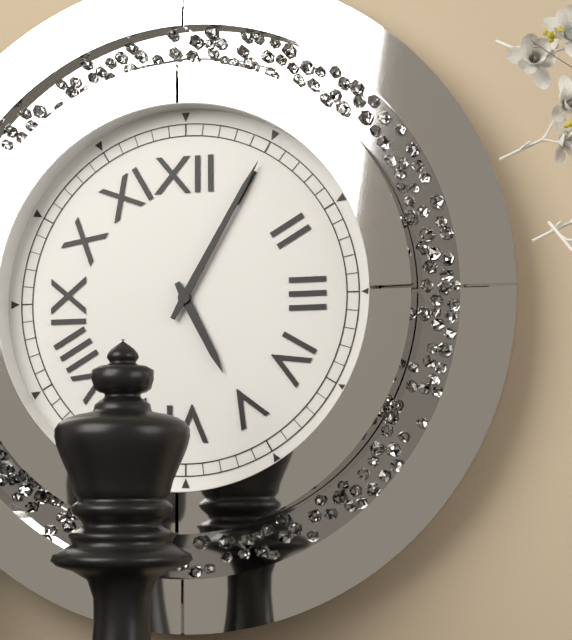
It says 5 h 05 min
